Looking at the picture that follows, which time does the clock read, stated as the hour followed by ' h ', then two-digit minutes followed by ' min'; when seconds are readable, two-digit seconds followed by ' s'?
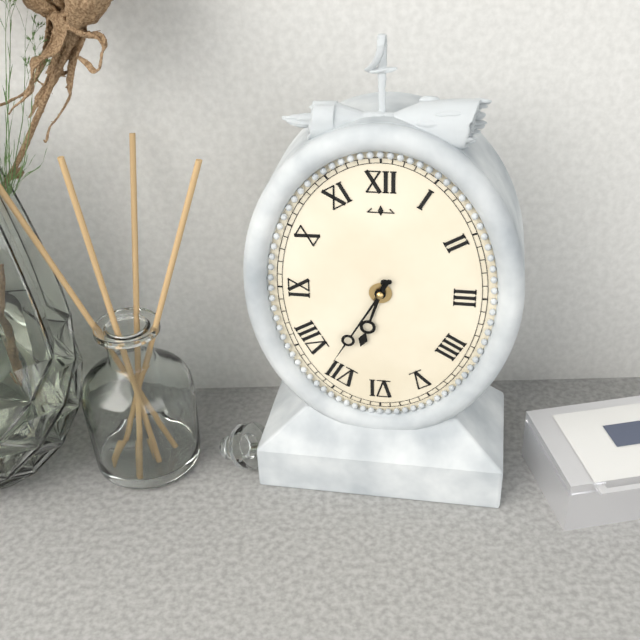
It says 6 h 35 min
